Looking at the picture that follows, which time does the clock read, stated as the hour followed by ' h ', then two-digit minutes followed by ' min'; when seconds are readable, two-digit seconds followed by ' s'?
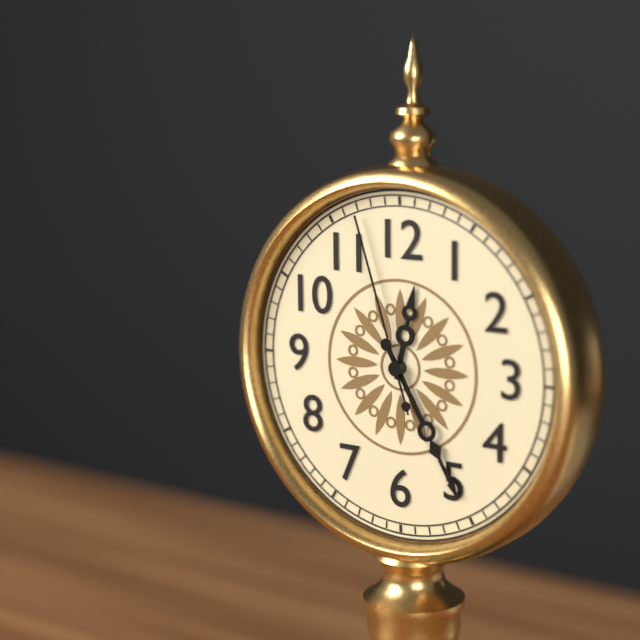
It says 12 h 25 min 57 s
